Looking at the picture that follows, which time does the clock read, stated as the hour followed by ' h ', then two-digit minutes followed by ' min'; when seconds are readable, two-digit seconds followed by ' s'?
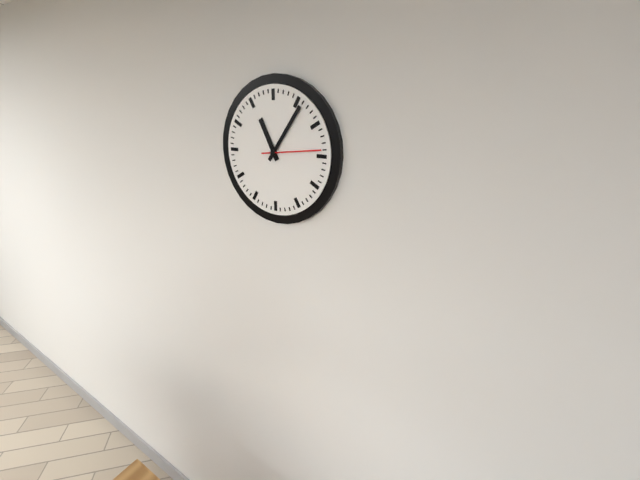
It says 11 h 06 min 14 s
